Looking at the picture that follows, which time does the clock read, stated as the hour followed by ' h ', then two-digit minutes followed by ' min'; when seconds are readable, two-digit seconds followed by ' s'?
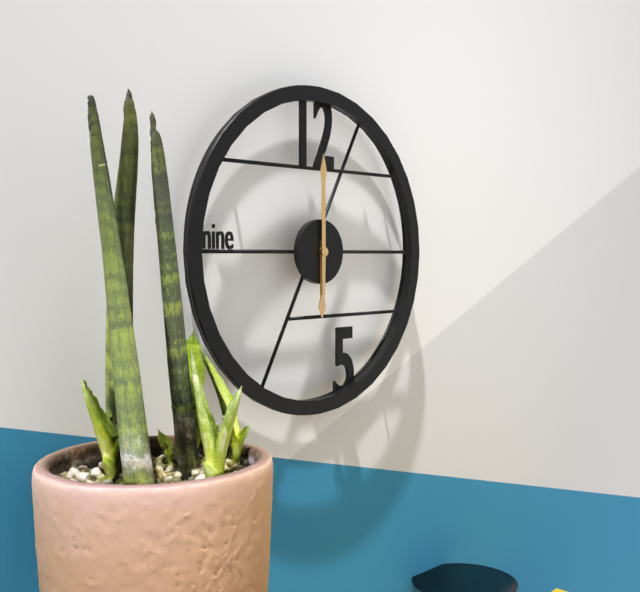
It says 6 h 00 min
